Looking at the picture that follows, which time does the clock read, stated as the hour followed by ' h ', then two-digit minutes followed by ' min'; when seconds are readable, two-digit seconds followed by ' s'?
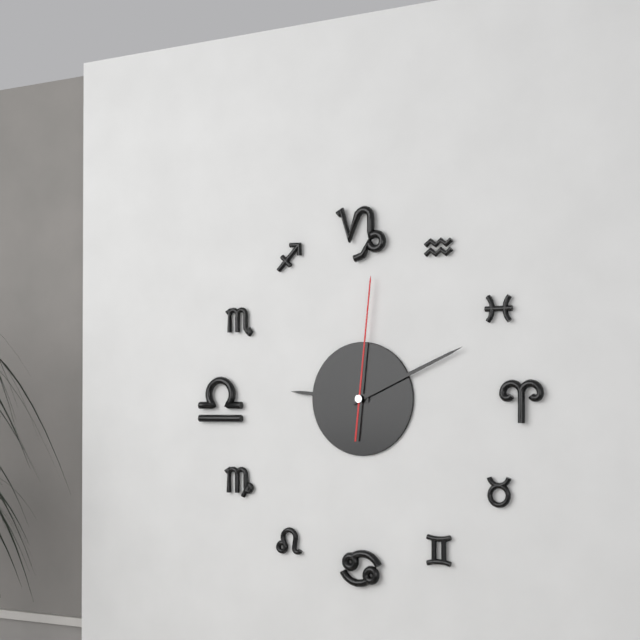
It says 9 h 11 min 01 s
